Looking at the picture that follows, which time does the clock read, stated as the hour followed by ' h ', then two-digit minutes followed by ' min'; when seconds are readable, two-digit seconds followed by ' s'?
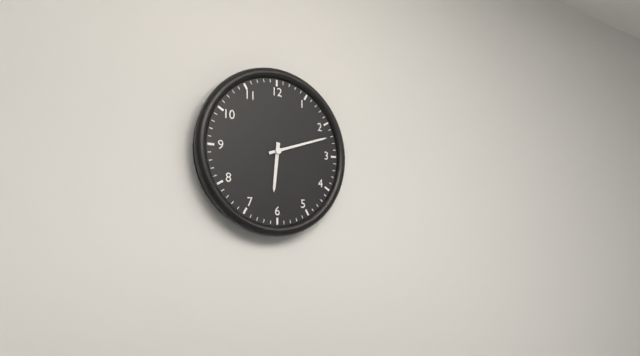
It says 6 h 12 min
